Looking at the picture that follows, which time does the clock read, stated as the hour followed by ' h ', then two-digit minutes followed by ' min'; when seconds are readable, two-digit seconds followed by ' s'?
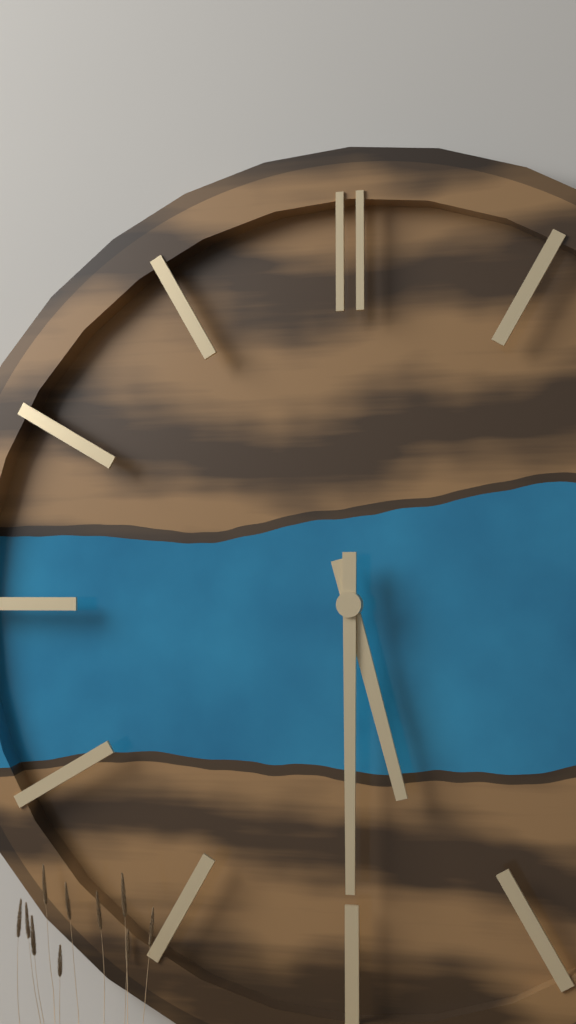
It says 5 h 30 min
